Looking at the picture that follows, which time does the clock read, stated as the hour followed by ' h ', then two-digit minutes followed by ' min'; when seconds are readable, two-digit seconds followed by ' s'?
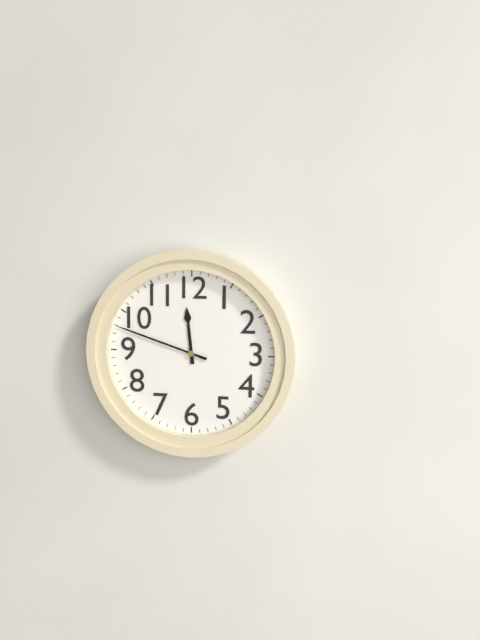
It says 11 h 48 min
